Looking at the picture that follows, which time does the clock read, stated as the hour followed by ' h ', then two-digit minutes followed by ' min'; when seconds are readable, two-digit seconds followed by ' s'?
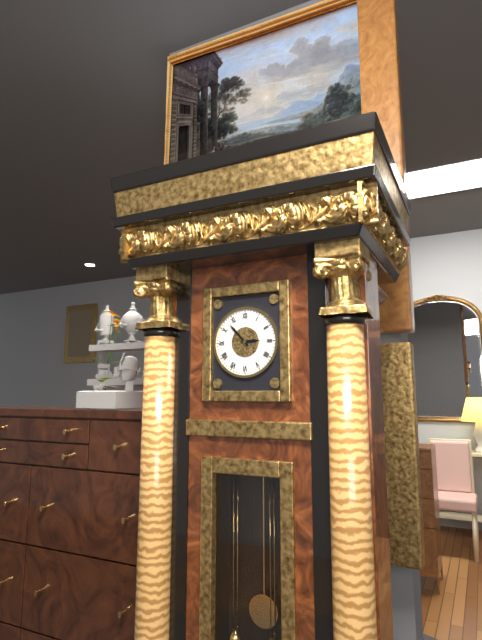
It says 2 h 53 min
